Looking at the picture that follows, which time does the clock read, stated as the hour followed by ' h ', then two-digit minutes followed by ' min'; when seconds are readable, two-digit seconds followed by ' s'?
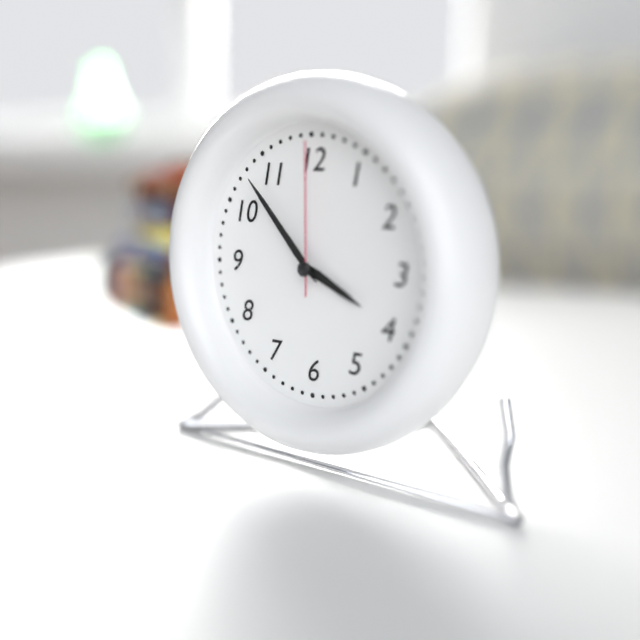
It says 3 h 53 min 00 s
